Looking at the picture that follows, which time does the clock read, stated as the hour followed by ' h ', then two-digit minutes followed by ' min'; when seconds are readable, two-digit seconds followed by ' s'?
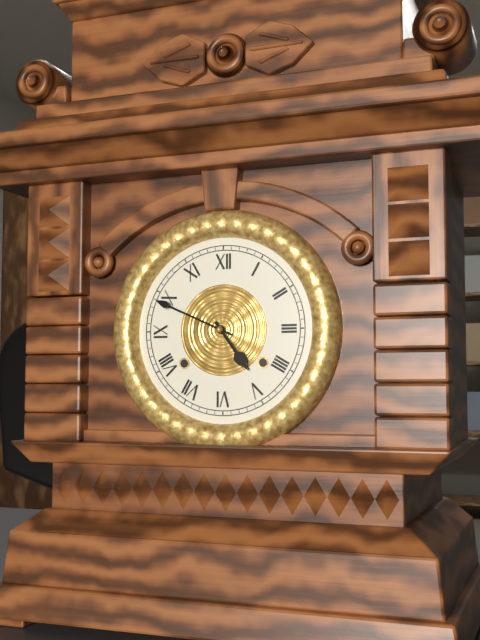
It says 4 h 49 min
